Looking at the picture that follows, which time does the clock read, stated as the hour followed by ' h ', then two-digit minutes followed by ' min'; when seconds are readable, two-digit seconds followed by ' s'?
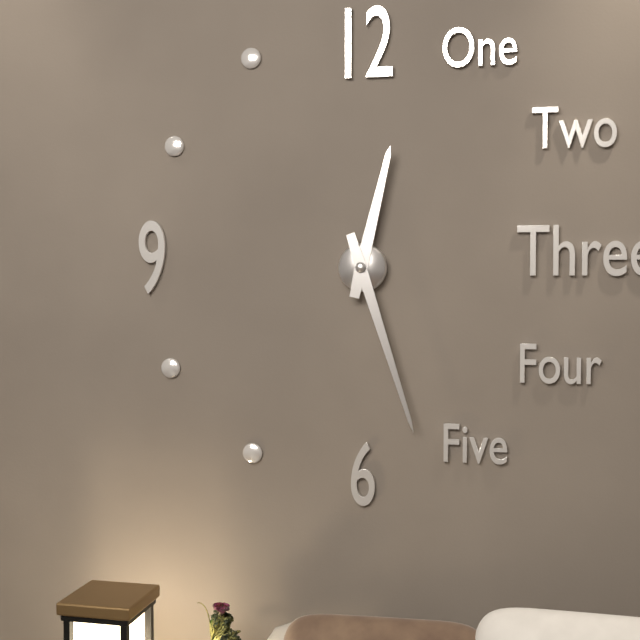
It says 12 h 27 min
